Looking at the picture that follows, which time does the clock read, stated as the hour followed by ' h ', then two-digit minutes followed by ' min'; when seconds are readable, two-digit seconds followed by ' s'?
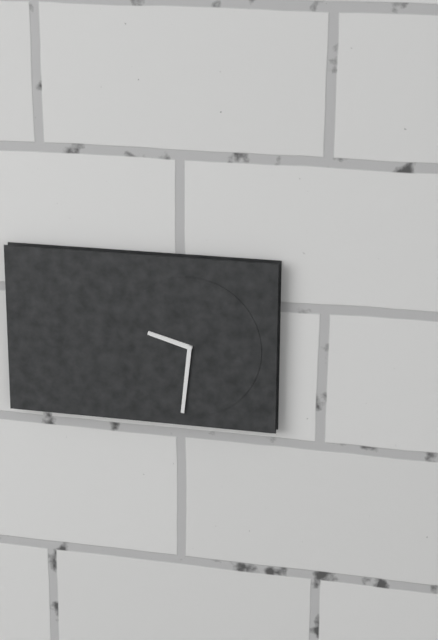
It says 9 h 31 min
